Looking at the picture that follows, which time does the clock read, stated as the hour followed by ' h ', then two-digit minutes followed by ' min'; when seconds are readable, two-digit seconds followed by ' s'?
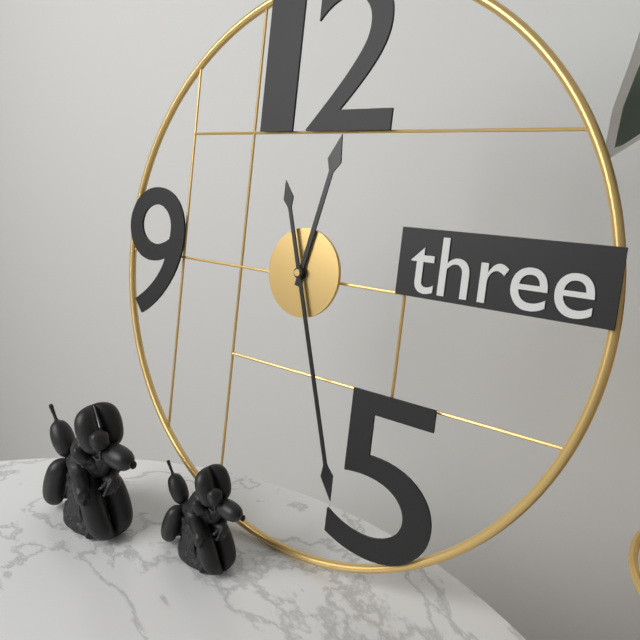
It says 12 h 27 min
